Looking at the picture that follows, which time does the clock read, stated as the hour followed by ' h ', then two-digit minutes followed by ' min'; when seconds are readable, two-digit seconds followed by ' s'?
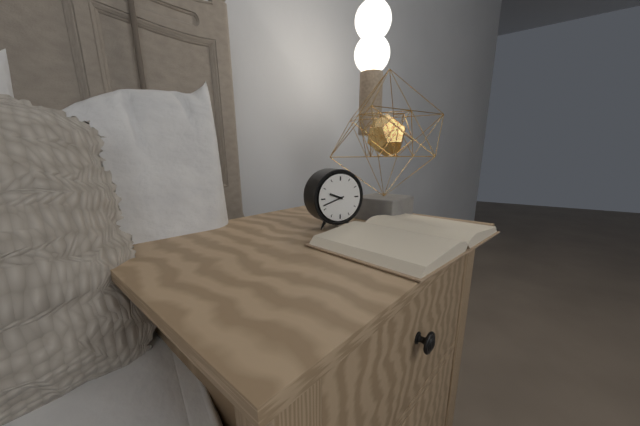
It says 9 h 42 min
